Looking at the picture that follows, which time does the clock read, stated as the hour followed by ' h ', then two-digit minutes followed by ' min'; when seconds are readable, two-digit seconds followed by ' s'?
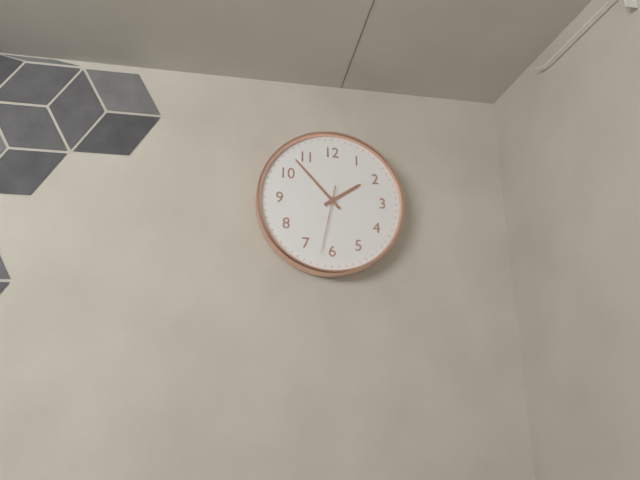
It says 1 h 53 min 32 s
